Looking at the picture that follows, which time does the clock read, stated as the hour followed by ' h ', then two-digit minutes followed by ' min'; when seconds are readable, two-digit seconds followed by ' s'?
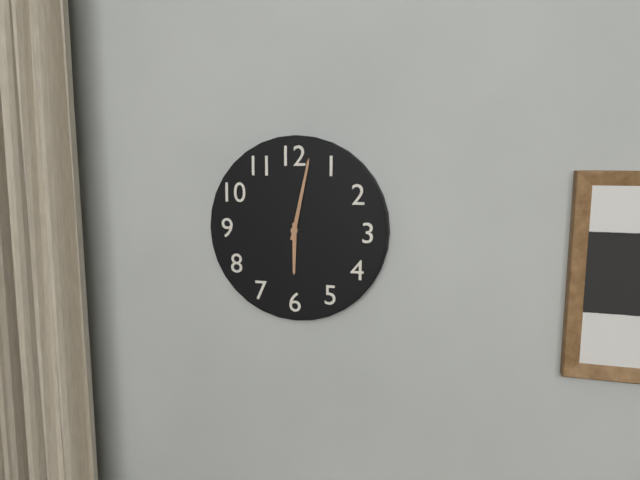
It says 6 h 02 min
